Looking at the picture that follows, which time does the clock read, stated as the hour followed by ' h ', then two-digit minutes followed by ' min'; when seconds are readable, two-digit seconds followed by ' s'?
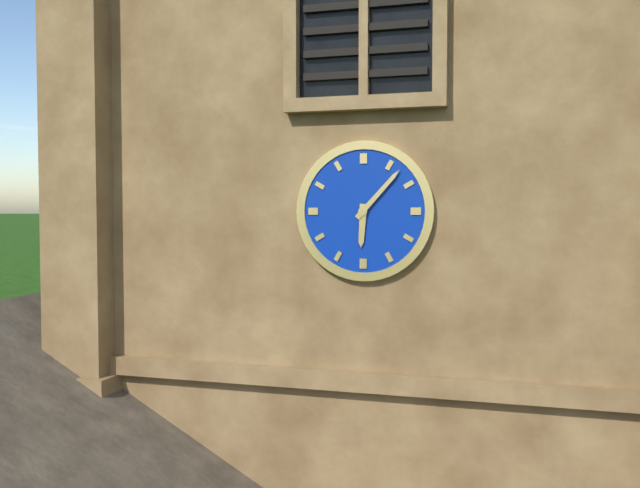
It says 6 h 07 min
